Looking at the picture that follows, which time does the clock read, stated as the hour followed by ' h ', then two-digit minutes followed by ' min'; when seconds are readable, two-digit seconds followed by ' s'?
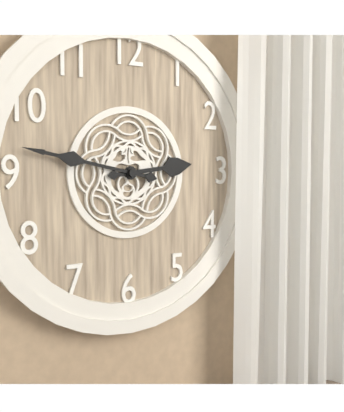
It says 2 h 47 min
